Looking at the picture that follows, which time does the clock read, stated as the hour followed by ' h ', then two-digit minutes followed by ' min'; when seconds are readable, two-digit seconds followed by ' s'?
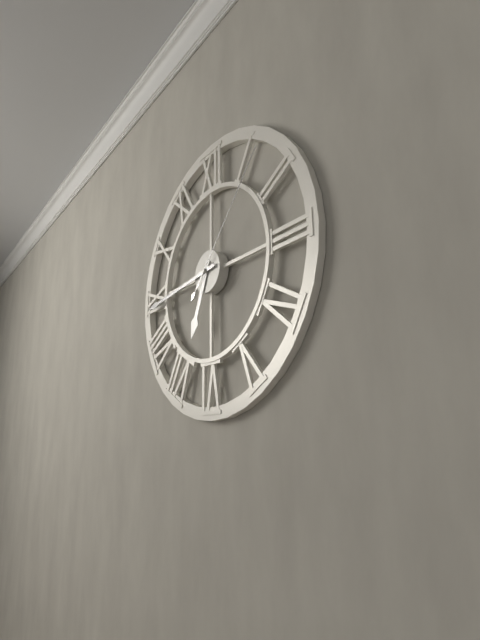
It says 6 h 44 min 07 s
